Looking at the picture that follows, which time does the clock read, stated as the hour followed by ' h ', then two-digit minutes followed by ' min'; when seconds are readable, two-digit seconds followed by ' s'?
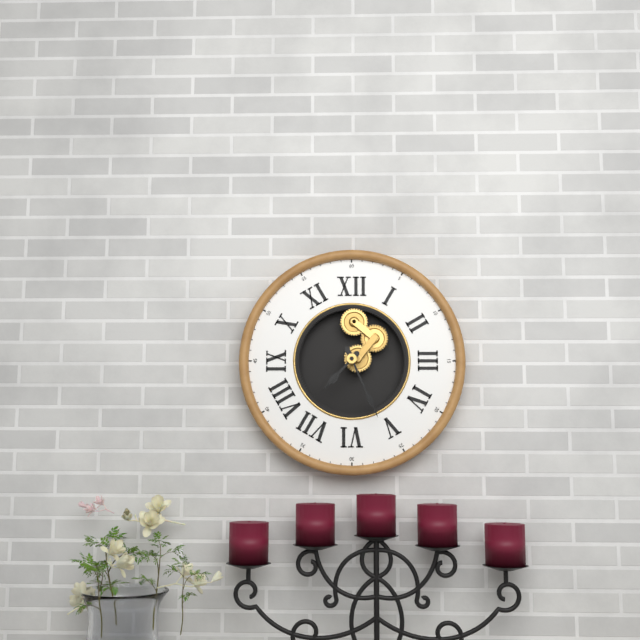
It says 7 h 26 min
